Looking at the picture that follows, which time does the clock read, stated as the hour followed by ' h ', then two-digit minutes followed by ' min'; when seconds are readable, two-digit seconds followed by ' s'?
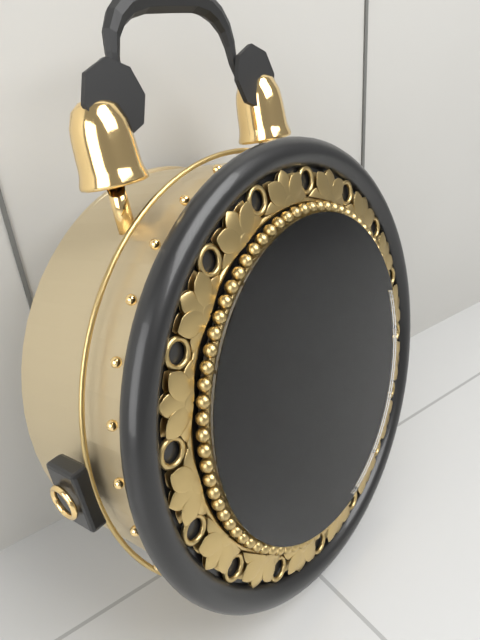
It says 5 h 50 min 43 s
